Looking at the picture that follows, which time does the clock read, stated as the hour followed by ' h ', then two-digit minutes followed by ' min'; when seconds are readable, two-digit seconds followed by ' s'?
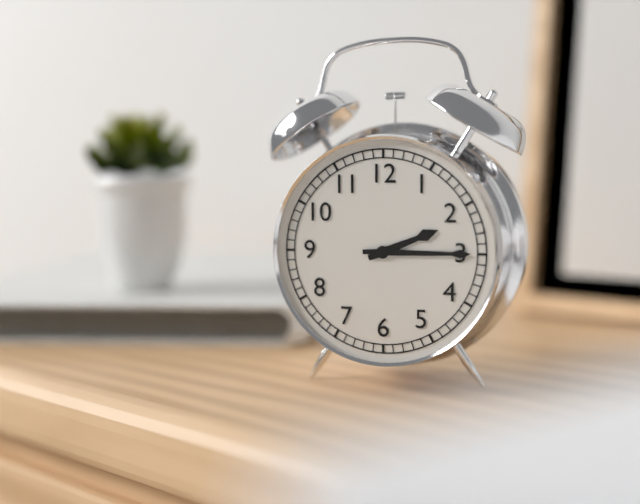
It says 2 h 15 min
